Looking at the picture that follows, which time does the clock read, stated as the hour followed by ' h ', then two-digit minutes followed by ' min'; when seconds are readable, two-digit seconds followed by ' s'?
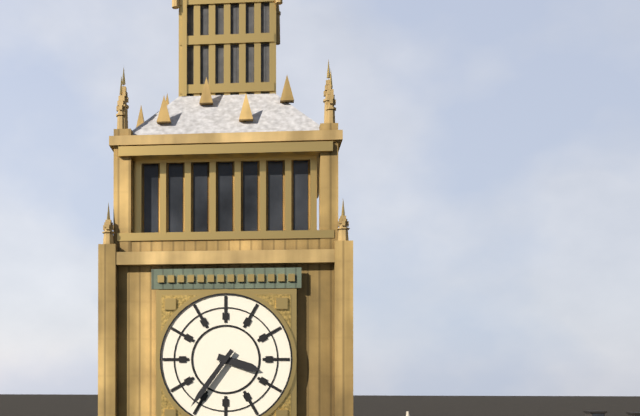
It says 3 h 36 min
